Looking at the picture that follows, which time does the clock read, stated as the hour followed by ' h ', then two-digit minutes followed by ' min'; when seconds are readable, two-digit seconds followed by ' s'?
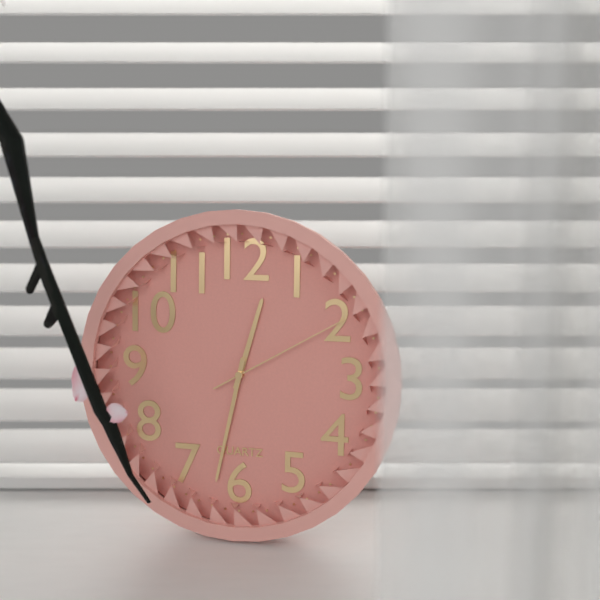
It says 12 h 32 min 10 s
